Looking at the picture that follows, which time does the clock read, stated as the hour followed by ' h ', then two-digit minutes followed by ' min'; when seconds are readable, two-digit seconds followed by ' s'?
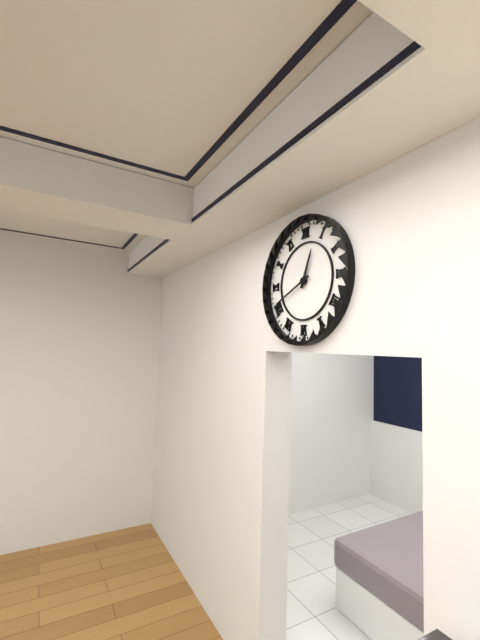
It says 12 h 41 min
